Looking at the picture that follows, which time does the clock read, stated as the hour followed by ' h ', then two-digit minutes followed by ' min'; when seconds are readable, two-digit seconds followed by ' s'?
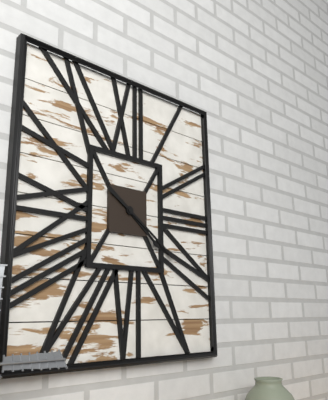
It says 4 h 21 min
